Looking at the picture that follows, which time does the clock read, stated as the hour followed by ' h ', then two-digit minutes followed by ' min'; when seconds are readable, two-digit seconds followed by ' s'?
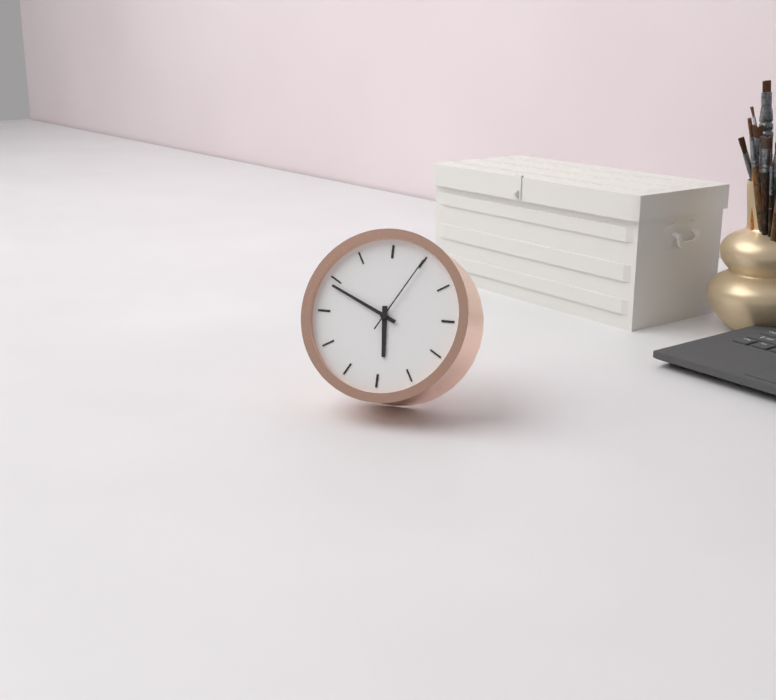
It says 5 h 49 min 05 s
